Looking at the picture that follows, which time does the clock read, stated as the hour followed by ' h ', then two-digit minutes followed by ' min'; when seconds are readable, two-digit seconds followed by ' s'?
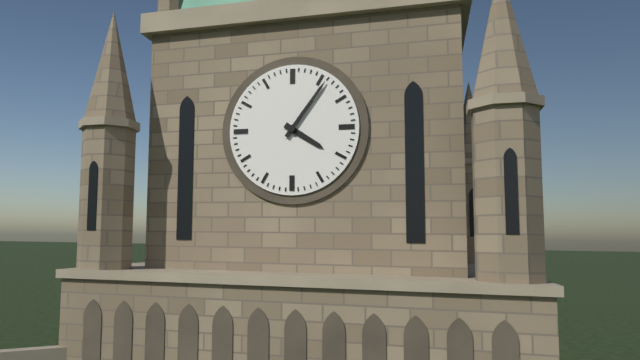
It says 4 h 06 min
